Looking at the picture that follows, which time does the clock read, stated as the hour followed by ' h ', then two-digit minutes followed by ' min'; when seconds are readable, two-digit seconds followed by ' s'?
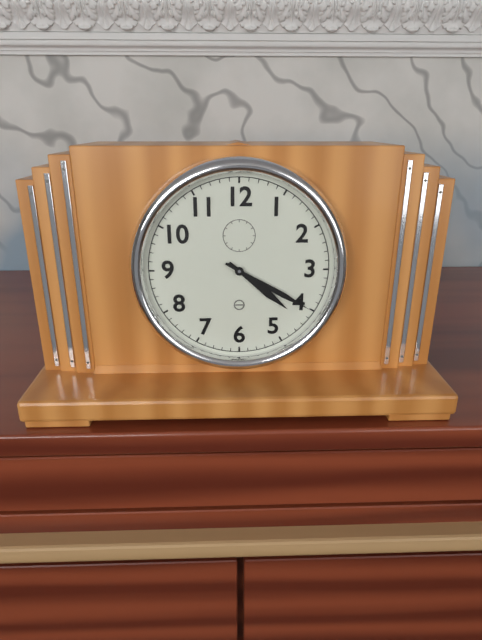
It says 4 h 20 min
